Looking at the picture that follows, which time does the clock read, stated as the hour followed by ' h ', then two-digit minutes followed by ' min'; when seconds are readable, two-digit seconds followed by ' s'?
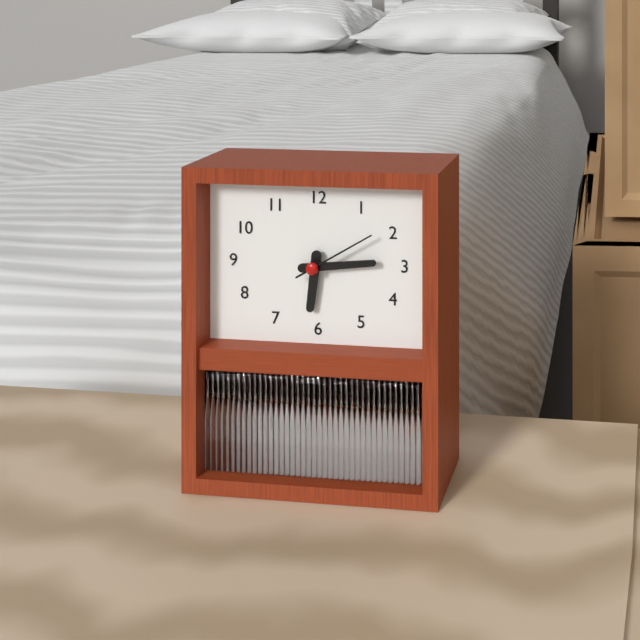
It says 6 h 14 min 10 s
